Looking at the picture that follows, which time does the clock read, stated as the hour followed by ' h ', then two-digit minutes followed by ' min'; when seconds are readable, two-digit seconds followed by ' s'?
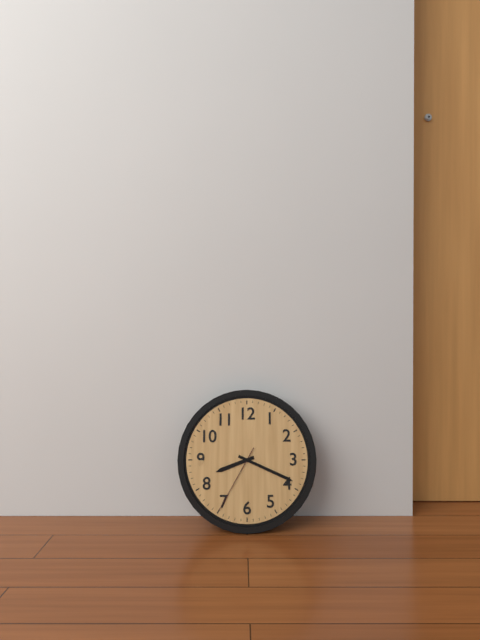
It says 8 h 19 min 35 s
